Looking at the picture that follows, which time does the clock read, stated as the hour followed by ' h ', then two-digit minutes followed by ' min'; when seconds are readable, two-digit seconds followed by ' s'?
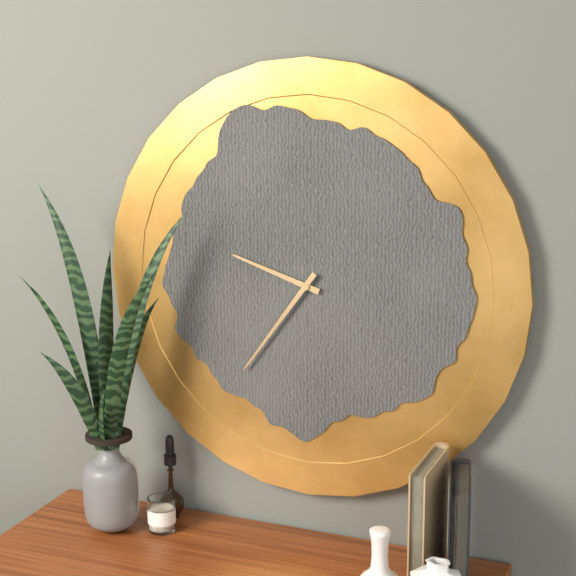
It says 9 h 36 min
